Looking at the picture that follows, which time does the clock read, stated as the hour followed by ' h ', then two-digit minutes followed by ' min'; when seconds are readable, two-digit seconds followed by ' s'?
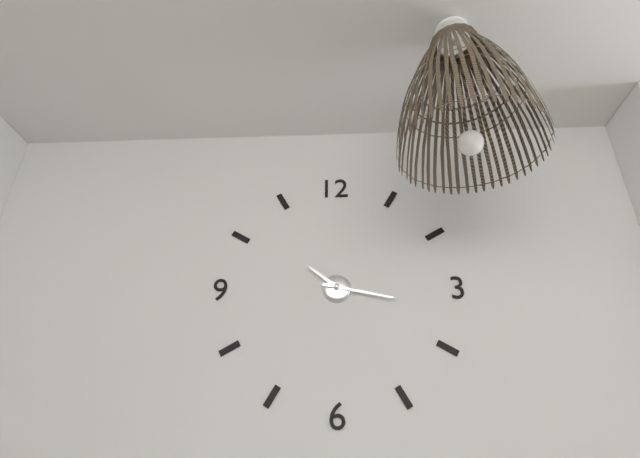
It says 10 h 17 min
